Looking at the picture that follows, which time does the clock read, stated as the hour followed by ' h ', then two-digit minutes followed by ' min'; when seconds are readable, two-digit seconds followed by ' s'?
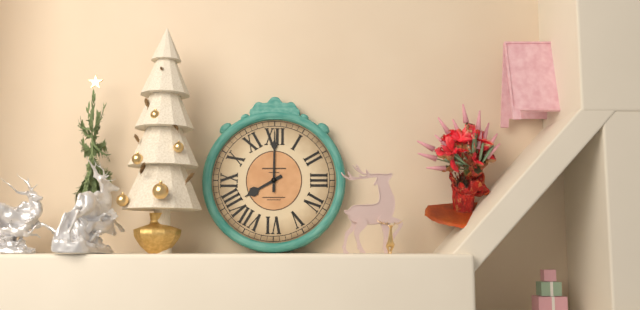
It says 8 h 00 min
